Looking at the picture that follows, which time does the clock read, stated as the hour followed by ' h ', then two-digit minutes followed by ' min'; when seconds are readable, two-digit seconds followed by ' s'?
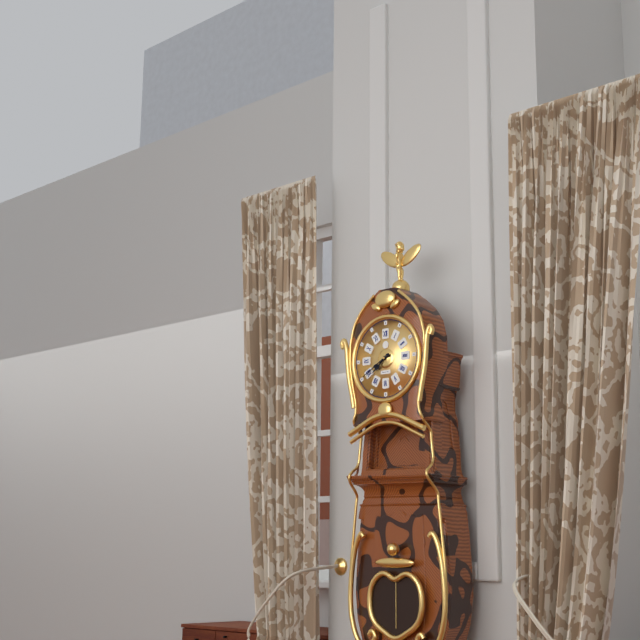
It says 7 h 40 min
